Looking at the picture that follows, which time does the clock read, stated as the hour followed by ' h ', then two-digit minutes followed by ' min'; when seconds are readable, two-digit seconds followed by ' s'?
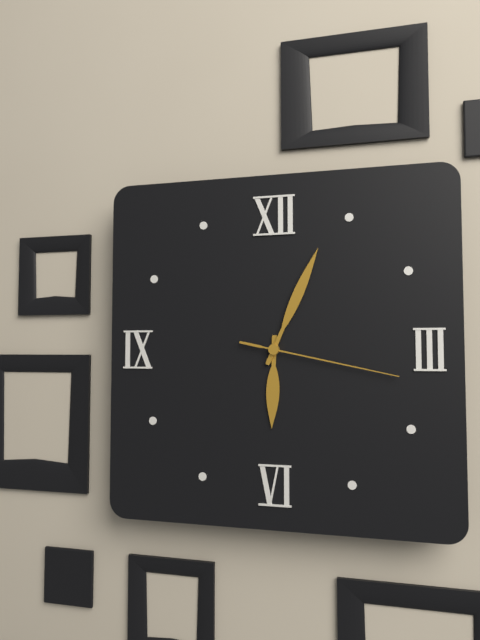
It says 6 h 04 min 17 s
